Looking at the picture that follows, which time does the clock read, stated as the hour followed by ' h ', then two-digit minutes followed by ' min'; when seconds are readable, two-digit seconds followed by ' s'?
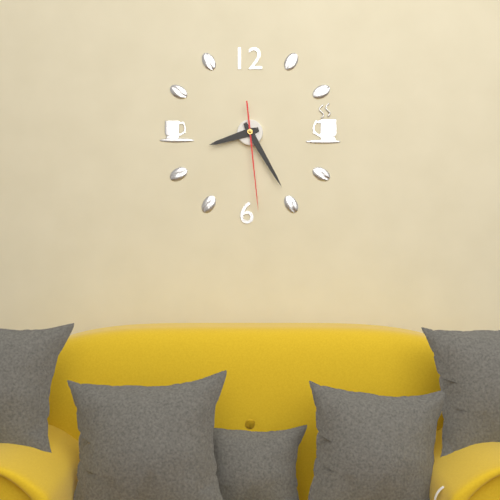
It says 8 h 25 min 29 s
